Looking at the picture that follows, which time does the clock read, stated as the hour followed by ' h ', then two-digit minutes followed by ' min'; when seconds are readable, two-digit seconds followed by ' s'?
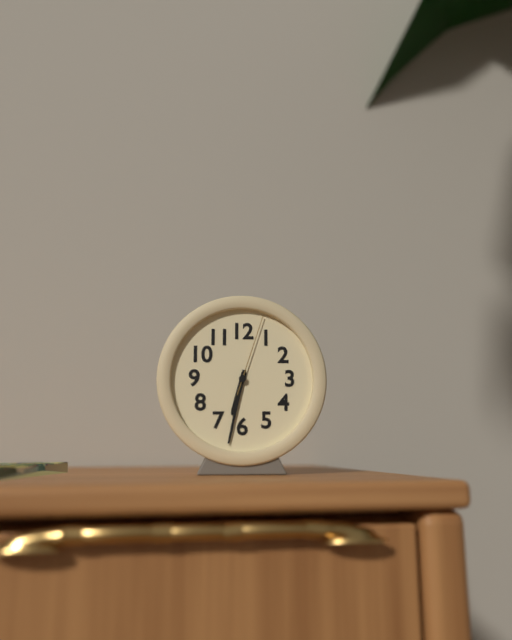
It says 6 h 32 min 03 s
